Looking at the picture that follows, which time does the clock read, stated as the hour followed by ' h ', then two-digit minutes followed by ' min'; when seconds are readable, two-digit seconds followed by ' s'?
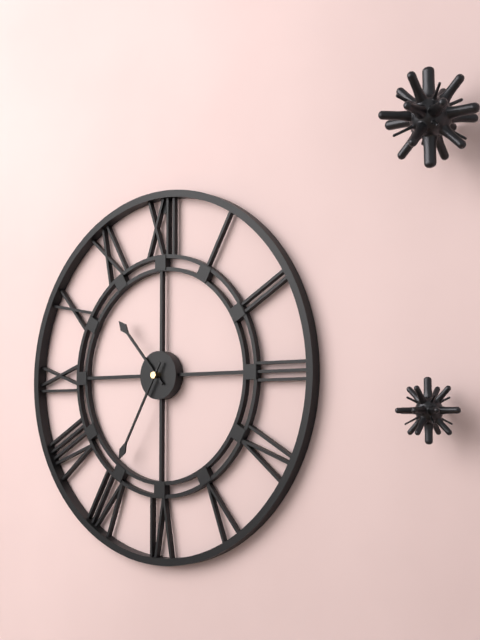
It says 10 h 35 min
